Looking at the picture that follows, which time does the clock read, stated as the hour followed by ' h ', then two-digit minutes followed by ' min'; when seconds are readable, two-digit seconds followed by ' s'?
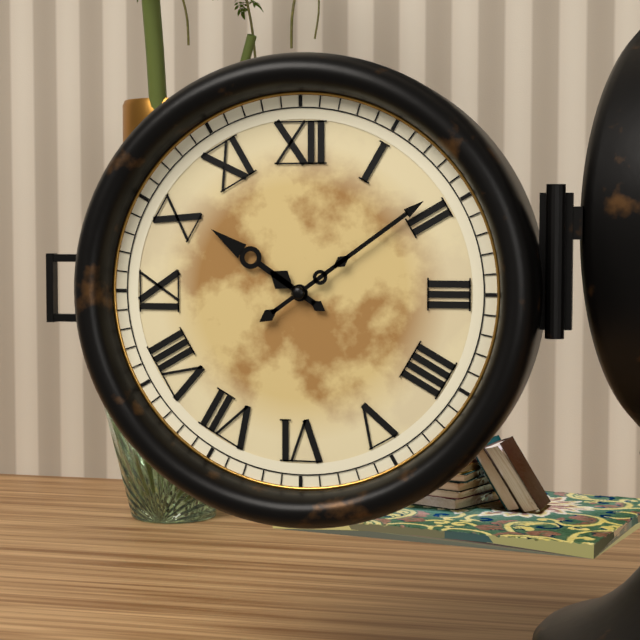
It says 10 h 09 min
